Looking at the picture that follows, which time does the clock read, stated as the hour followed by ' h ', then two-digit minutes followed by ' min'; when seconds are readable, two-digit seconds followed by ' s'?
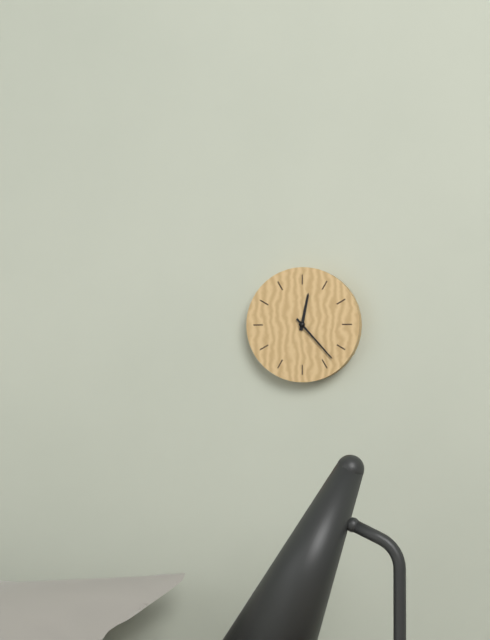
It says 12 h 23 min
